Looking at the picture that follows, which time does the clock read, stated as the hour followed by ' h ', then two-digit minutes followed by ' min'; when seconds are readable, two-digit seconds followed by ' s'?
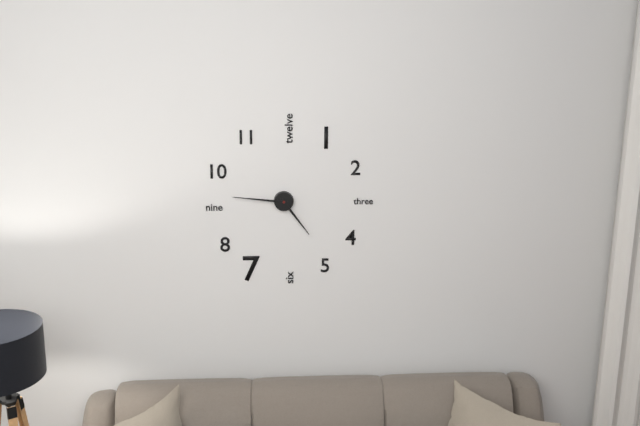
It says 4 h 46 min
